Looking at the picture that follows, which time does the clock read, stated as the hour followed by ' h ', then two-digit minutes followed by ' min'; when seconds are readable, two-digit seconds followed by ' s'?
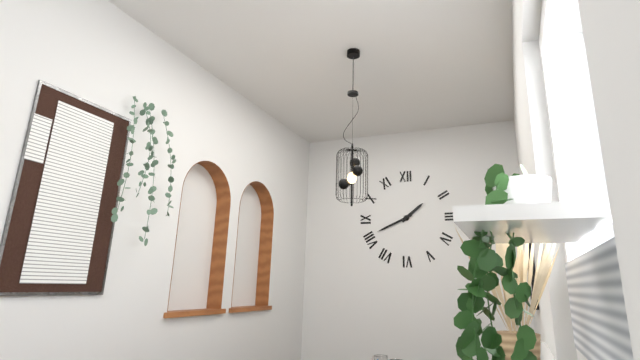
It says 1 h 41 min
